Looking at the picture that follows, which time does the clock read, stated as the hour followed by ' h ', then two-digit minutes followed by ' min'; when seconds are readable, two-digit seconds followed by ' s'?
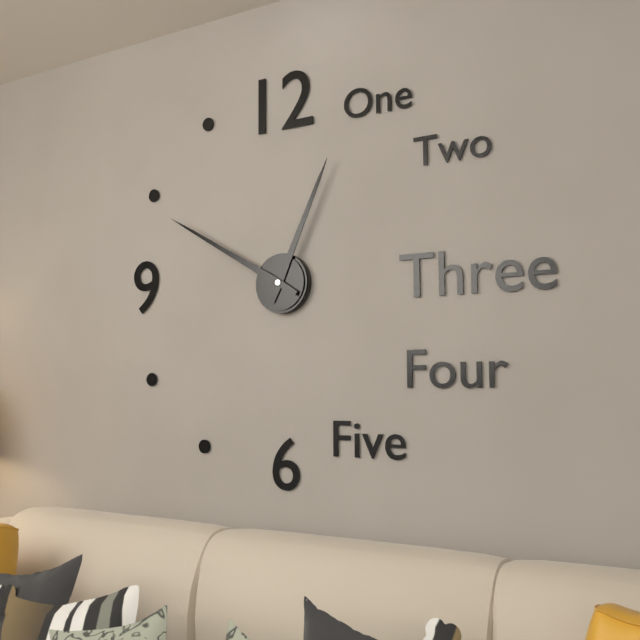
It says 12 h 50 min
